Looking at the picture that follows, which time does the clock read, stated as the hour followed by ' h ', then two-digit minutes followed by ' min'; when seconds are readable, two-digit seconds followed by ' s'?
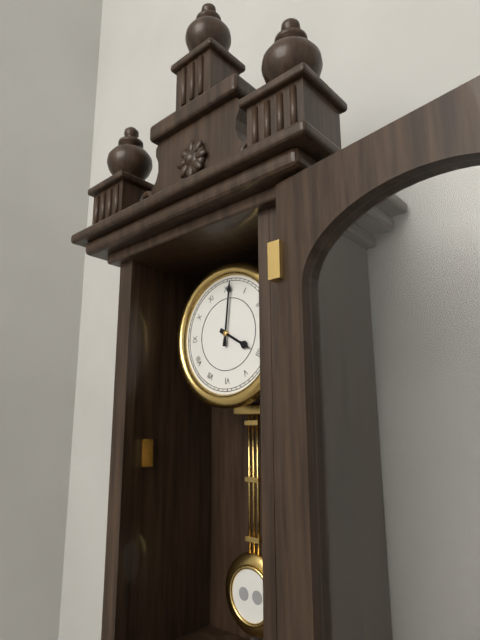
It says 4 h 01 min
